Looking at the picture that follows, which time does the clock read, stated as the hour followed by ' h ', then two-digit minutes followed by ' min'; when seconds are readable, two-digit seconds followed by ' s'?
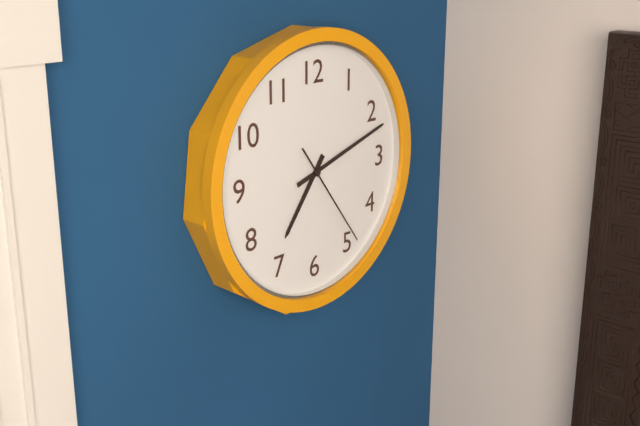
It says 7 h 12 min 24 s
